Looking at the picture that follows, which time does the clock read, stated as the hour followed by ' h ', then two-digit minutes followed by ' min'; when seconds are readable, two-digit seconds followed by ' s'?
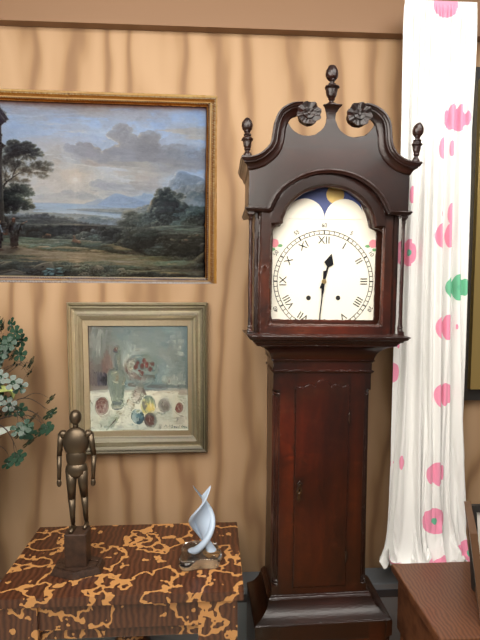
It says 12 h 31 min
